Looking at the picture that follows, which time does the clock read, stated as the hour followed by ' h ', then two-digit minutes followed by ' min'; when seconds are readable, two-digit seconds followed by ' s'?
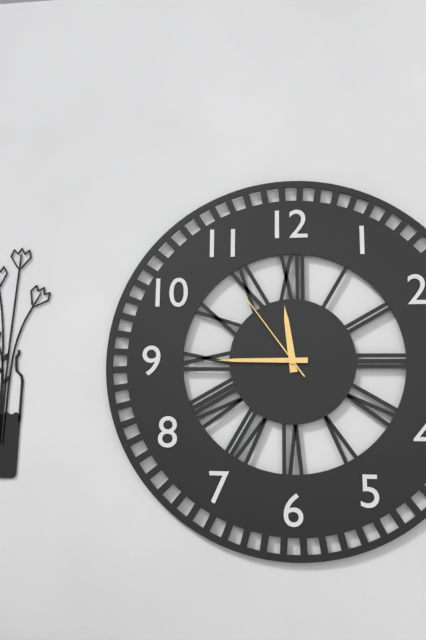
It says 11 h 45 min 54 s
